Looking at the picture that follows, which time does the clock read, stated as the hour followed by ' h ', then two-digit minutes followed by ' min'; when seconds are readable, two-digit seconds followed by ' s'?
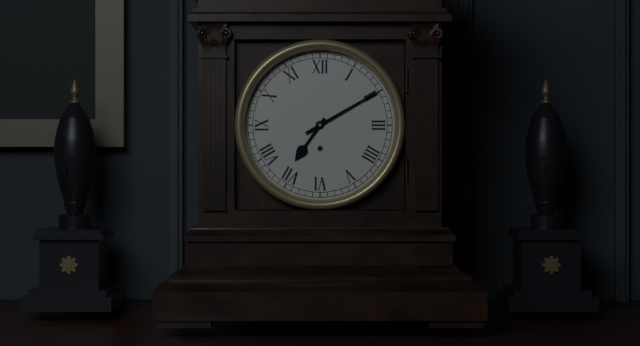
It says 7 h 10 min
